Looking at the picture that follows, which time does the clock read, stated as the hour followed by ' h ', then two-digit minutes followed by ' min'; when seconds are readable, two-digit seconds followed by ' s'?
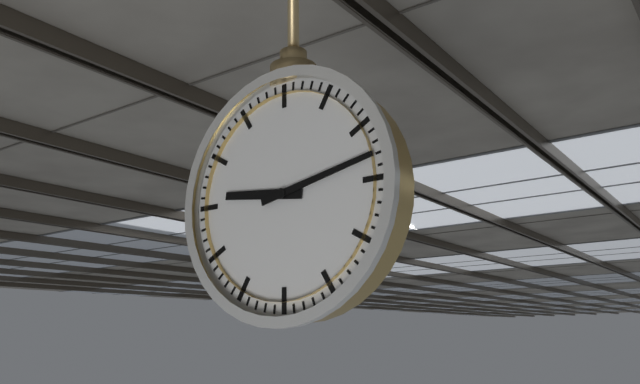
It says 9 h 13 min
